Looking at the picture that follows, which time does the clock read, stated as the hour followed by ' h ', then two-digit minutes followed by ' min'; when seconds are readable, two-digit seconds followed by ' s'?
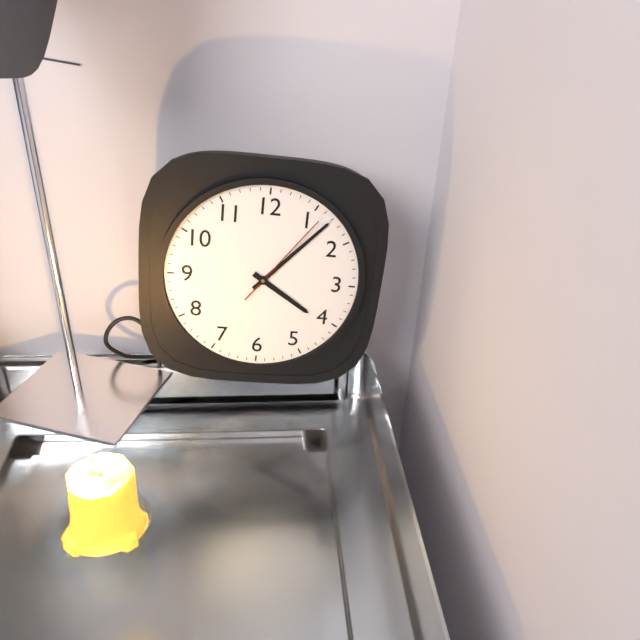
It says 4 h 07 min 06 s
